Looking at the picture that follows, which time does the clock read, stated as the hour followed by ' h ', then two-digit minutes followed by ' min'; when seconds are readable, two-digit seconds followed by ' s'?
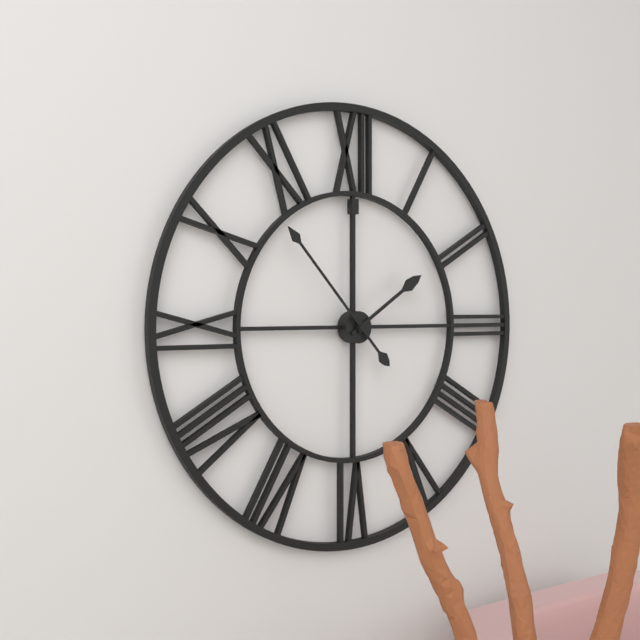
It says 1 h 53 min
